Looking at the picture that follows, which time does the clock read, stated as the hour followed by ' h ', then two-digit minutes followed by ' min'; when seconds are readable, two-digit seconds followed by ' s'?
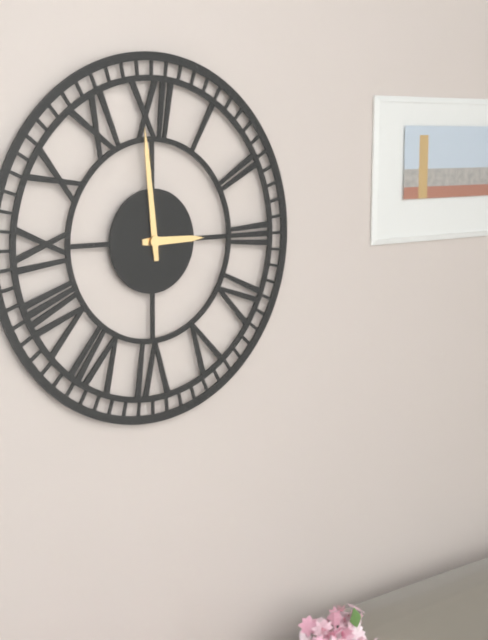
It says 2 h 59 min
